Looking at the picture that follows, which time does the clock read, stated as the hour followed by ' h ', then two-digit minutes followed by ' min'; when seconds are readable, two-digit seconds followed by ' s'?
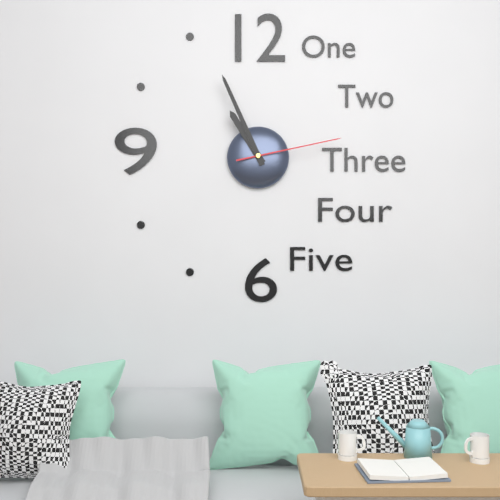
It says 10 h 56 min 13 s
